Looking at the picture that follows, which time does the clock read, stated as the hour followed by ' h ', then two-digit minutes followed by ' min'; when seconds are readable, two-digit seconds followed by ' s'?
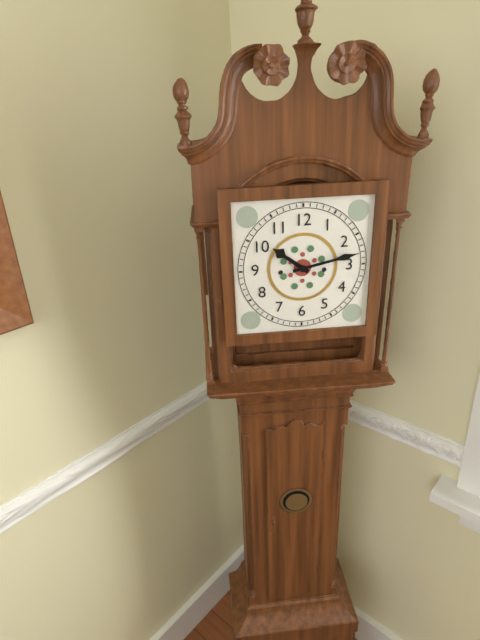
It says 10 h 13 min
